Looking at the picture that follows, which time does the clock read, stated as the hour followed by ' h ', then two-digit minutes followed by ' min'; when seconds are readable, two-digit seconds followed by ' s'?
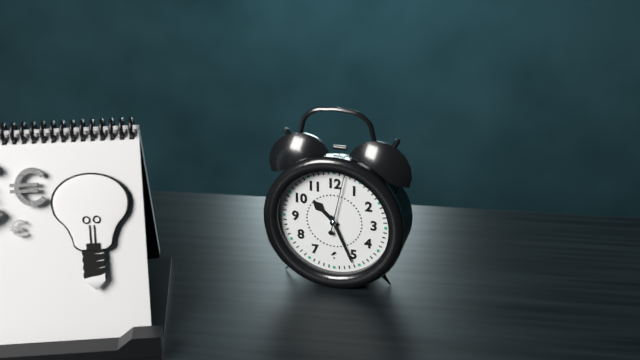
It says 10 h 26 min 02 s
